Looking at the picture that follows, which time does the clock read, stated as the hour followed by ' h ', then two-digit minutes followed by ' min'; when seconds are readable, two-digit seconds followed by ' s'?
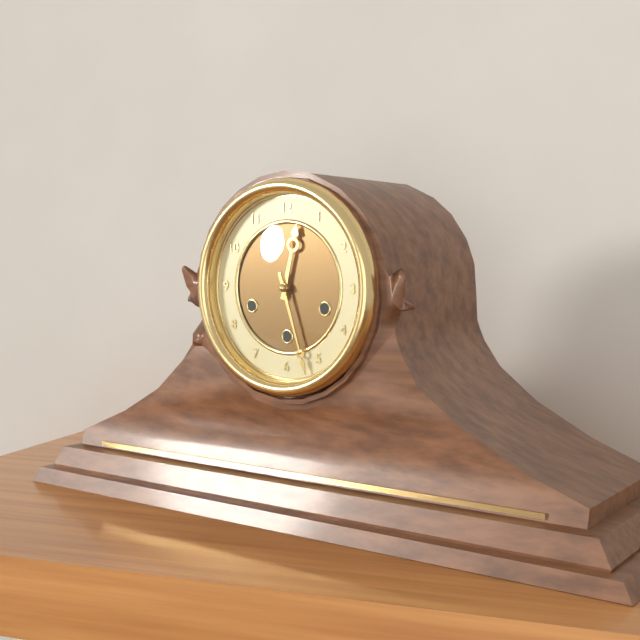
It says 12 h 27 min
